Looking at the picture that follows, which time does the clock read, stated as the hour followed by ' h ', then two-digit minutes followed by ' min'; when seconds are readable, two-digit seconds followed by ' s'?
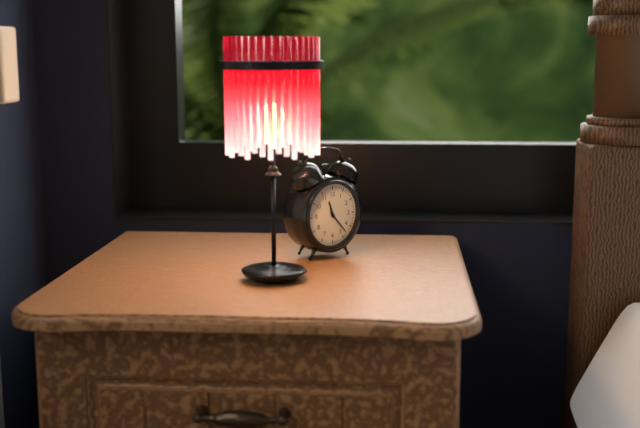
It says 11 h 23 min
